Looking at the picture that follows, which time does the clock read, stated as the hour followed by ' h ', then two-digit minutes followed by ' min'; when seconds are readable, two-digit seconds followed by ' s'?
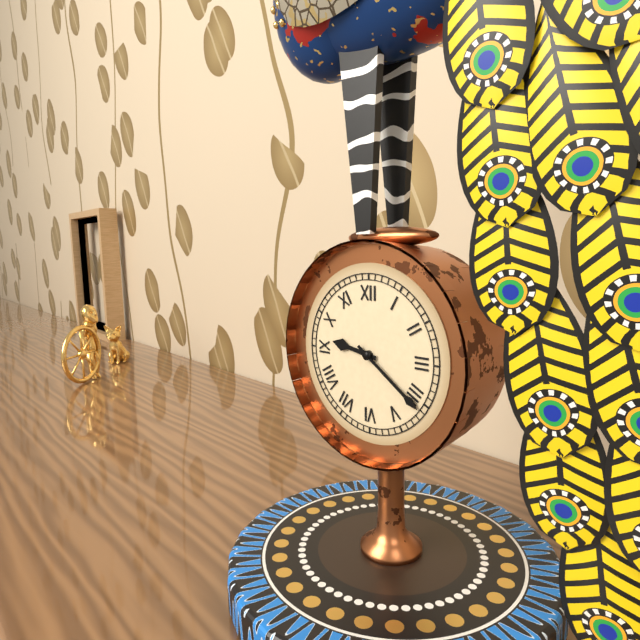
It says 9 h 21 min
